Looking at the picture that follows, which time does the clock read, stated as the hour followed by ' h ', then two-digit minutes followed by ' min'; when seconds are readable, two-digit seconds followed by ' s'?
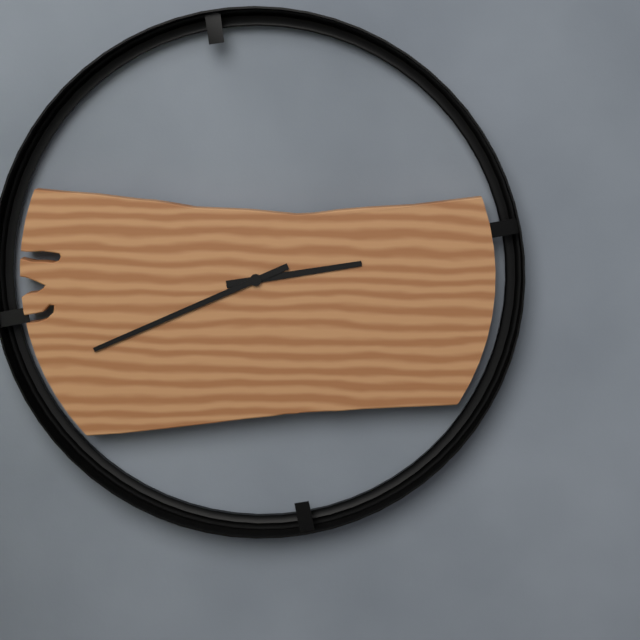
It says 2 h 41 min
